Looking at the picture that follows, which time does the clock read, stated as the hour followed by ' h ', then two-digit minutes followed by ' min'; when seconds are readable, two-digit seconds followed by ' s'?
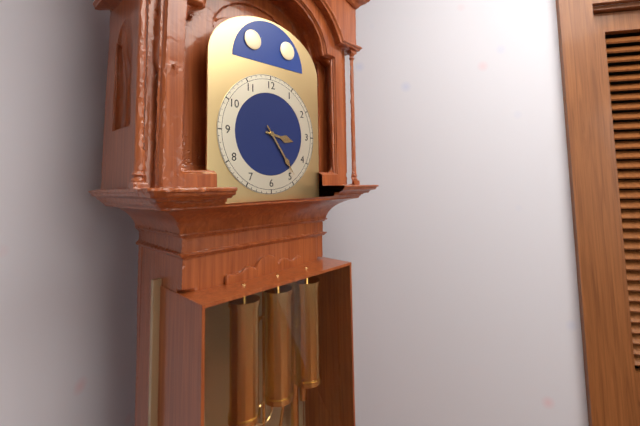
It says 3 h 24 min
